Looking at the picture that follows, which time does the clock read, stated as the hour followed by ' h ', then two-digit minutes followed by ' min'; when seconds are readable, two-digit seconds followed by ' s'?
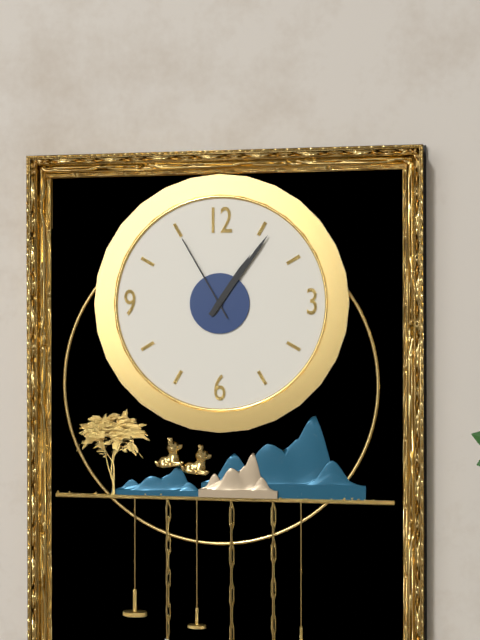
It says 1 h 06 min 55 s
